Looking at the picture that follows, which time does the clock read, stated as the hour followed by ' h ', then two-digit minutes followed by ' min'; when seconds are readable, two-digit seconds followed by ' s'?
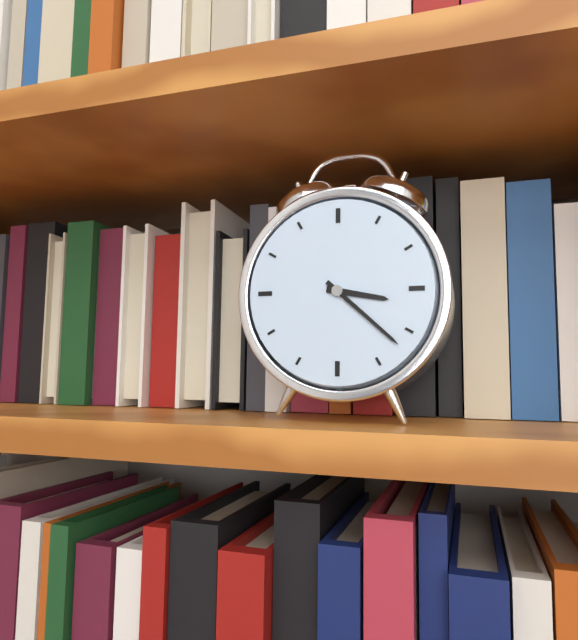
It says 3 h 22 min
